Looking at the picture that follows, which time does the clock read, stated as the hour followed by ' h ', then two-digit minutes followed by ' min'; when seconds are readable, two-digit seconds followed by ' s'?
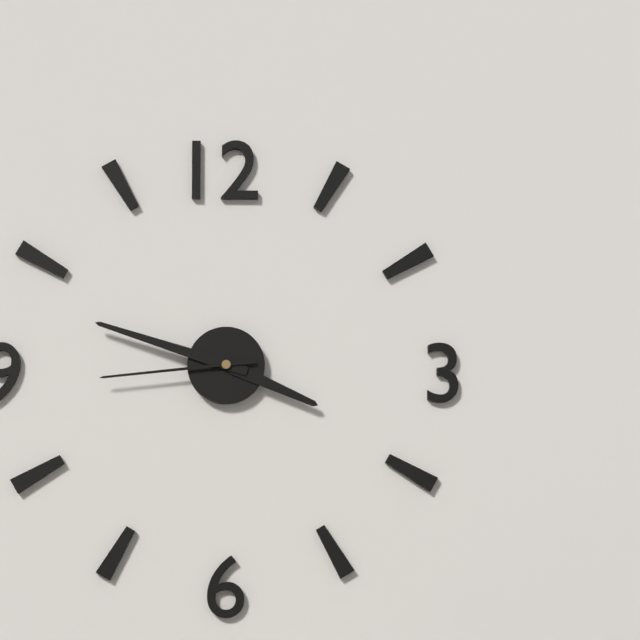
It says 3 h 48 min 44 s
